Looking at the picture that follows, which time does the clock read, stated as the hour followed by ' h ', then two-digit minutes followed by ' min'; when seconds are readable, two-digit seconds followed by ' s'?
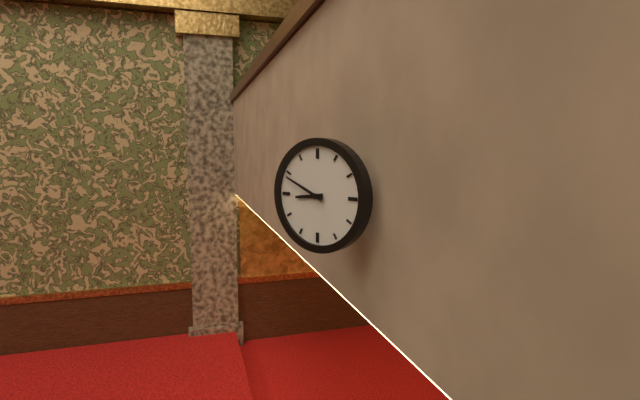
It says 8 h 49 min
